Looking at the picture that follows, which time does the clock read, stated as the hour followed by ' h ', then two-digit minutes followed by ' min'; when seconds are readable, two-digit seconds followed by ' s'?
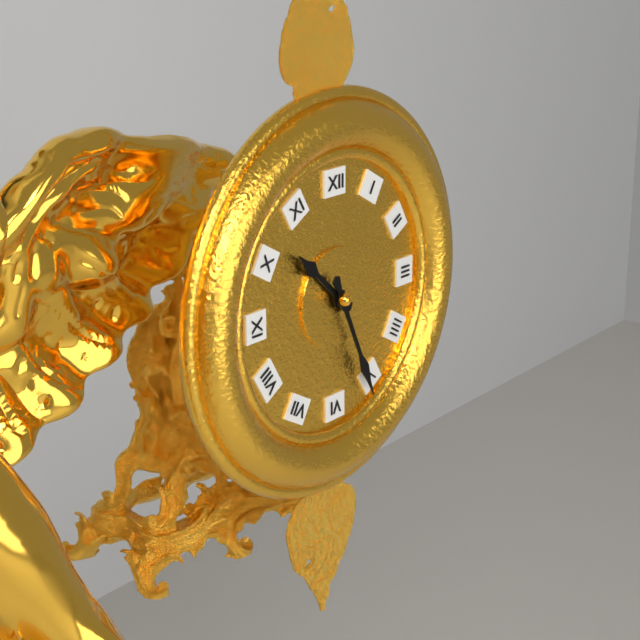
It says 10 h 26 min
